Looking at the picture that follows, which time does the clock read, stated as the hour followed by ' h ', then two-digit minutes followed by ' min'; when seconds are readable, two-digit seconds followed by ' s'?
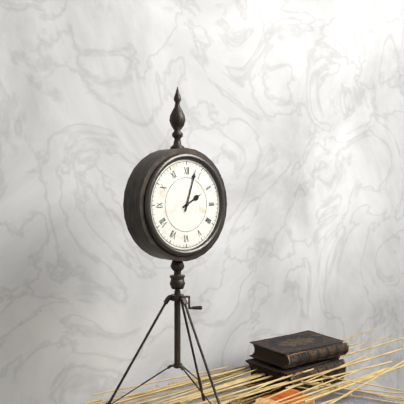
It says 2 h 03 min
